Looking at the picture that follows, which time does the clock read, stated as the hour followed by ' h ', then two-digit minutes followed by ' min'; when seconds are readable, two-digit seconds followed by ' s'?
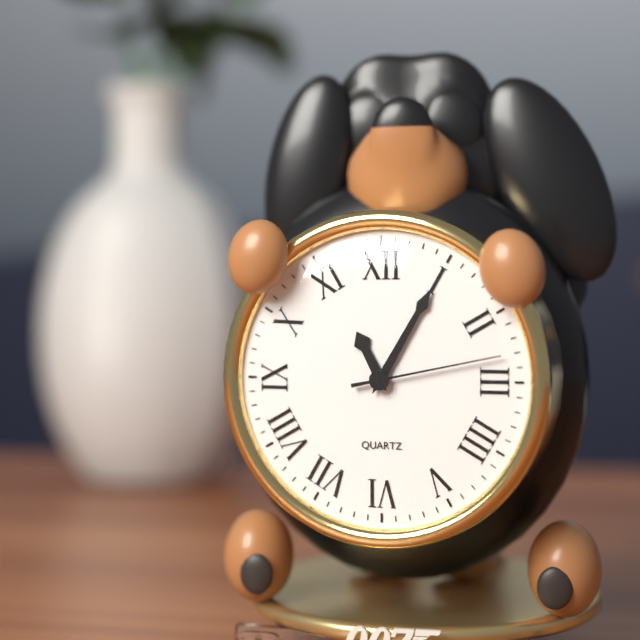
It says 11 h 05 min 13 s
